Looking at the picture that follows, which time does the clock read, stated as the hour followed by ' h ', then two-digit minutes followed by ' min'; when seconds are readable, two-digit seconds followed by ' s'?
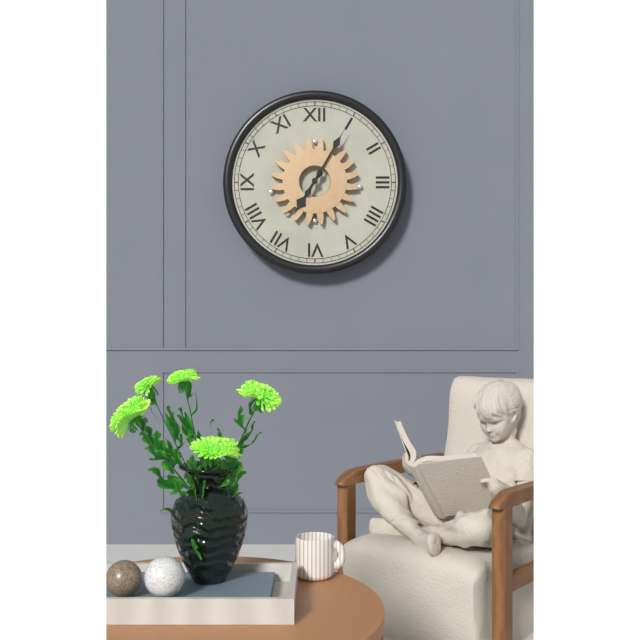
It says 7 h 05 min
